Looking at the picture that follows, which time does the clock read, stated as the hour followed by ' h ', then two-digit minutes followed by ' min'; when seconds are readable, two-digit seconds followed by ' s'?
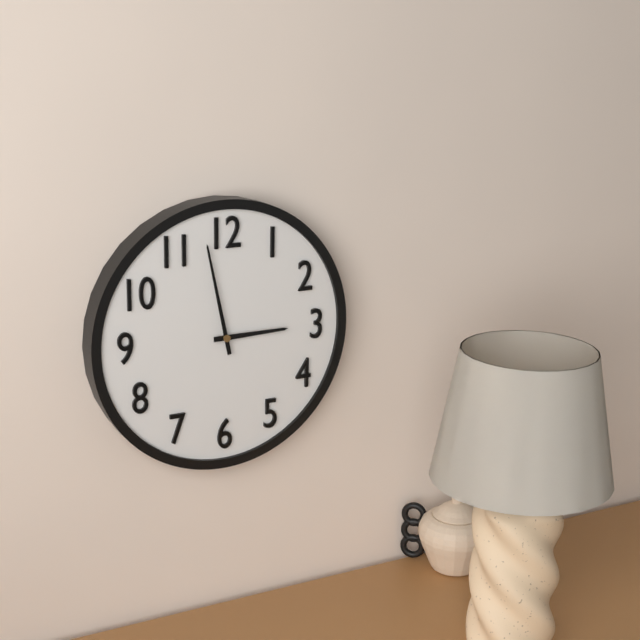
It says 2 h 58 min
